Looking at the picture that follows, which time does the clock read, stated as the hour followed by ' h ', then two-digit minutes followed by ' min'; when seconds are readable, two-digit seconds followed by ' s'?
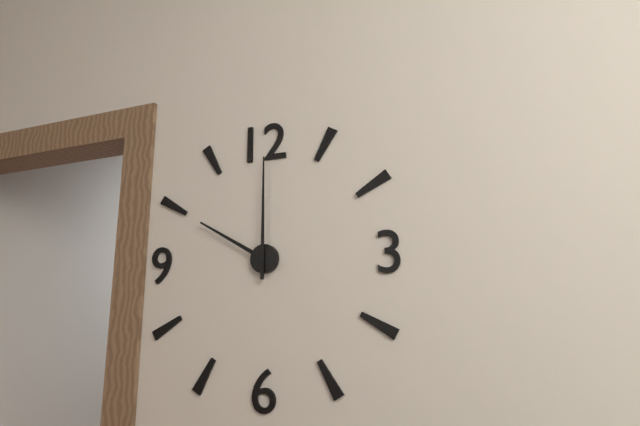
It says 10 h 00 min
